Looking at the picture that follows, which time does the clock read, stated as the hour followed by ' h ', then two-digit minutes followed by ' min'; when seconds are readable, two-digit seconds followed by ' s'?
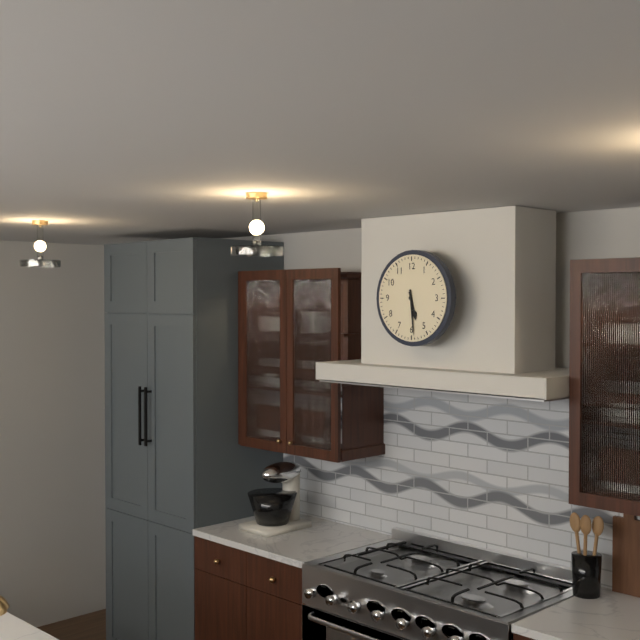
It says 5 h 29 min
